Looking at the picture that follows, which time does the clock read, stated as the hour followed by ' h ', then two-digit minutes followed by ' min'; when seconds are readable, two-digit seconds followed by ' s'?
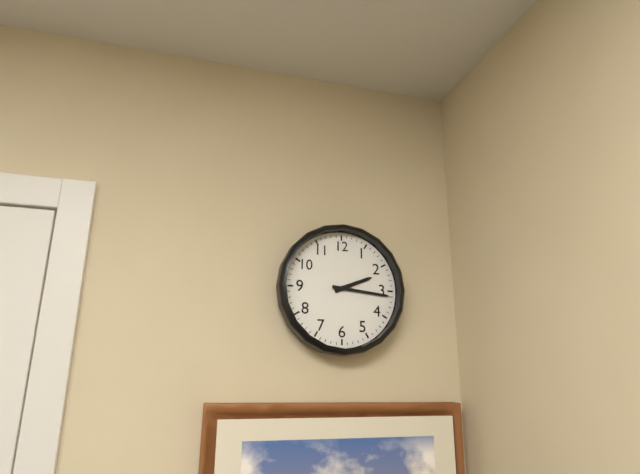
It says 2 h 16 min
